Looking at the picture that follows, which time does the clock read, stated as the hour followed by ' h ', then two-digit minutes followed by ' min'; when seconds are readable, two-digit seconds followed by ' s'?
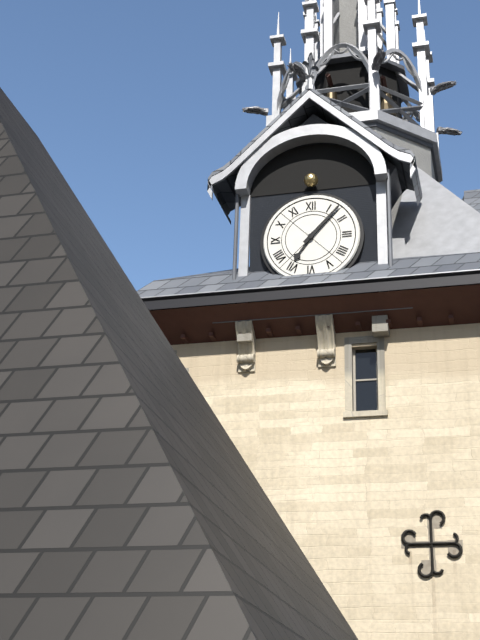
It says 7 h 07 min
